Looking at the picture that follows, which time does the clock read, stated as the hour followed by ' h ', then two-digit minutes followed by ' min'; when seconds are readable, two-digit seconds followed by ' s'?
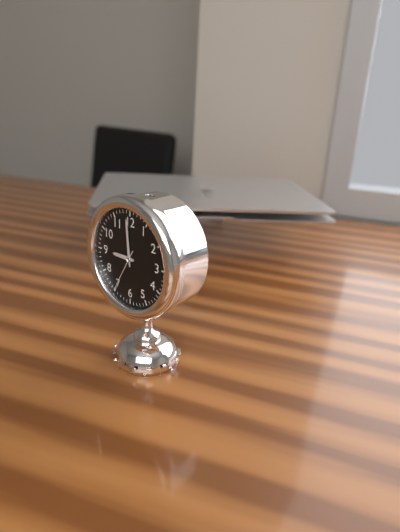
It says 8 h 59 min
